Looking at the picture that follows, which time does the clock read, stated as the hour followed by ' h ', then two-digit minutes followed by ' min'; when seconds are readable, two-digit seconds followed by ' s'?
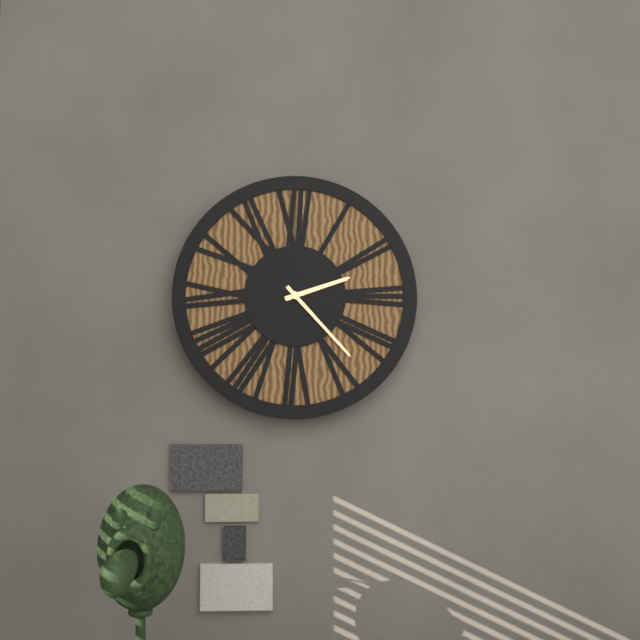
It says 2 h 23 min
